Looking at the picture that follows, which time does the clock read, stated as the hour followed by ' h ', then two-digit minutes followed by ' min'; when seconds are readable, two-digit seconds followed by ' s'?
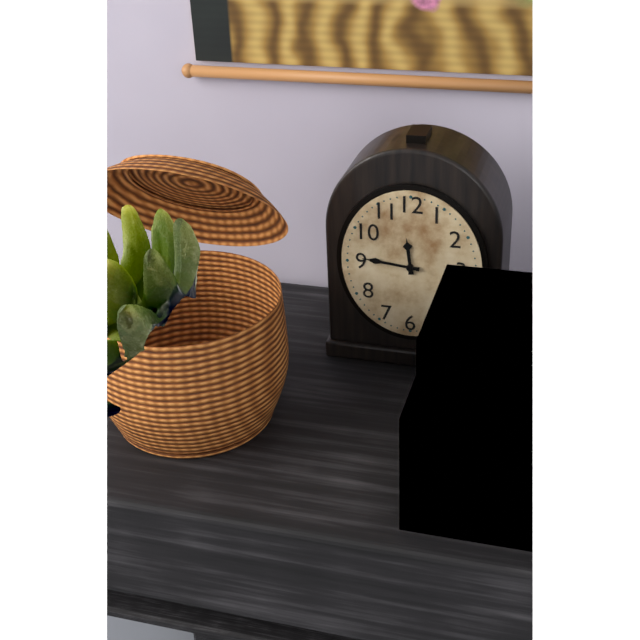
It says 11 h 46 min
